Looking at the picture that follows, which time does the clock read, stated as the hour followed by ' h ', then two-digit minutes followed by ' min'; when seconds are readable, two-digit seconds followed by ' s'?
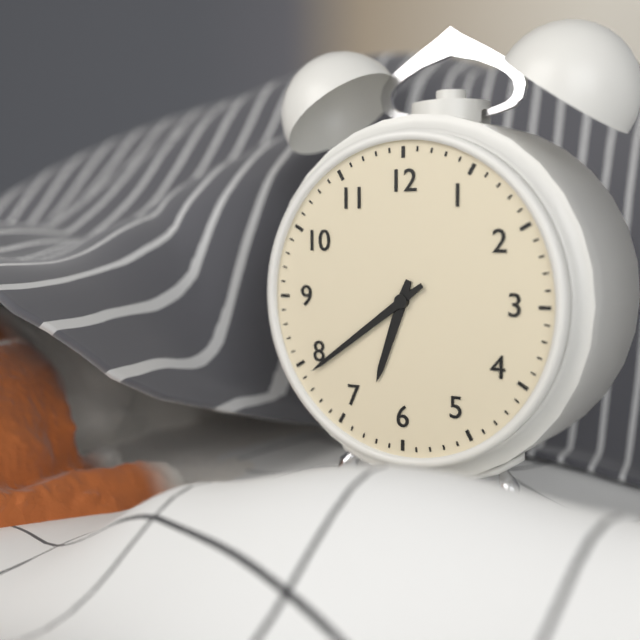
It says 6 h 39 min
